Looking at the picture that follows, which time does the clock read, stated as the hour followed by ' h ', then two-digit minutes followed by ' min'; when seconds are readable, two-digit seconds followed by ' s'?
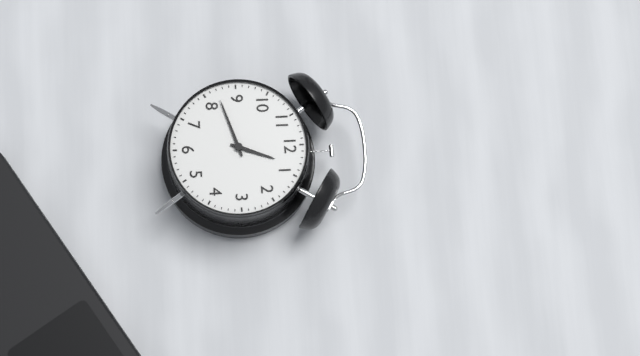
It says 12 h 42 min
